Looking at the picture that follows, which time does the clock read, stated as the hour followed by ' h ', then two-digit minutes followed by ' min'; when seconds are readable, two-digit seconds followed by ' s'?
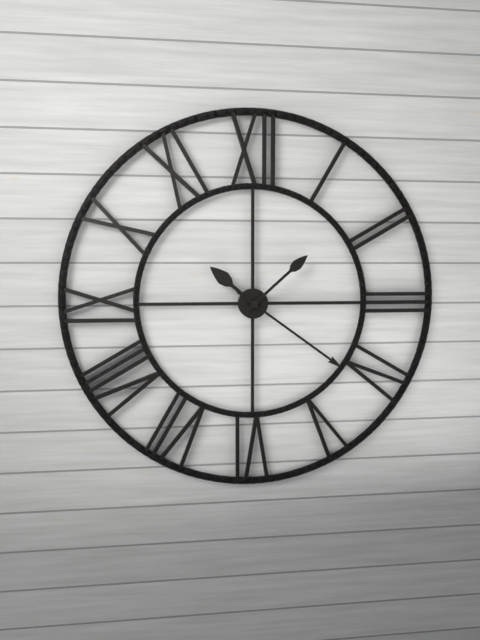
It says 10 h 21 min 08 s
